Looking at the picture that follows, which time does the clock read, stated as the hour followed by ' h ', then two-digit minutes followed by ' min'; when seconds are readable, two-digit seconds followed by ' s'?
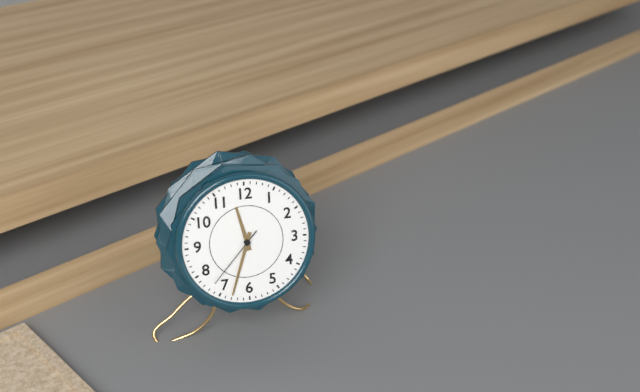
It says 11 h 33 min 37 s
